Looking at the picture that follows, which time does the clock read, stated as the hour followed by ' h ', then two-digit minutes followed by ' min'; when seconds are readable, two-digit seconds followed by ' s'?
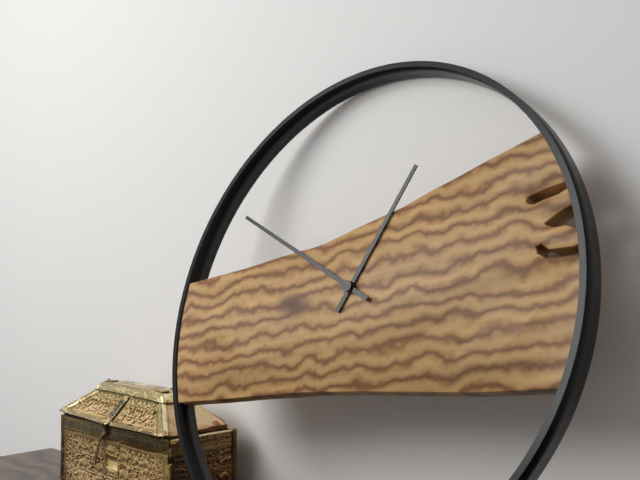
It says 12 h 49 min
